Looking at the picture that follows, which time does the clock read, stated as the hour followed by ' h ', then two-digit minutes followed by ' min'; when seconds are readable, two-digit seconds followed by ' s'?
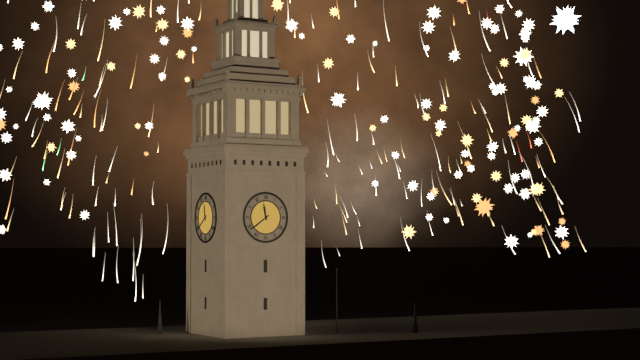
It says 11 h 39 min
